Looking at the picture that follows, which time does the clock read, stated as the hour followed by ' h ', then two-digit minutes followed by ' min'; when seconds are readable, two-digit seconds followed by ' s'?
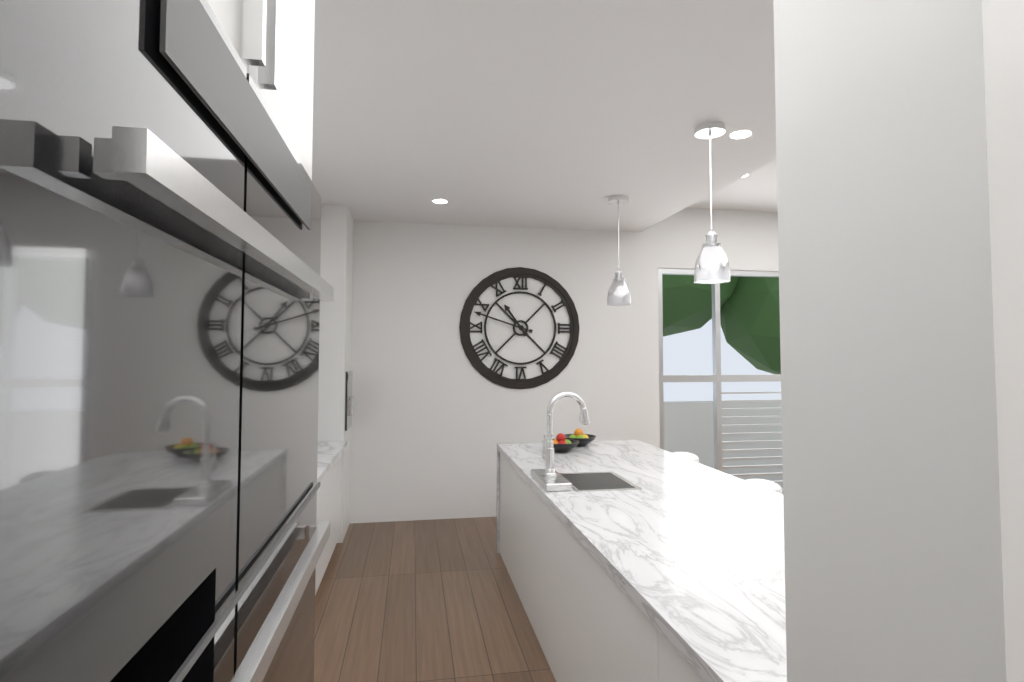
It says 10 h 48 min
